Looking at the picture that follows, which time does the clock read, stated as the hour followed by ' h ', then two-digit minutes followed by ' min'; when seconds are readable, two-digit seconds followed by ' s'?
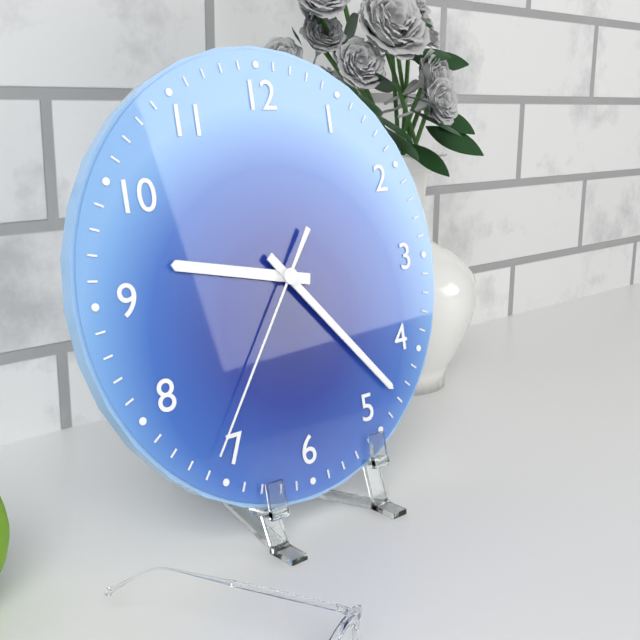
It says 9 h 23 min 36 s
